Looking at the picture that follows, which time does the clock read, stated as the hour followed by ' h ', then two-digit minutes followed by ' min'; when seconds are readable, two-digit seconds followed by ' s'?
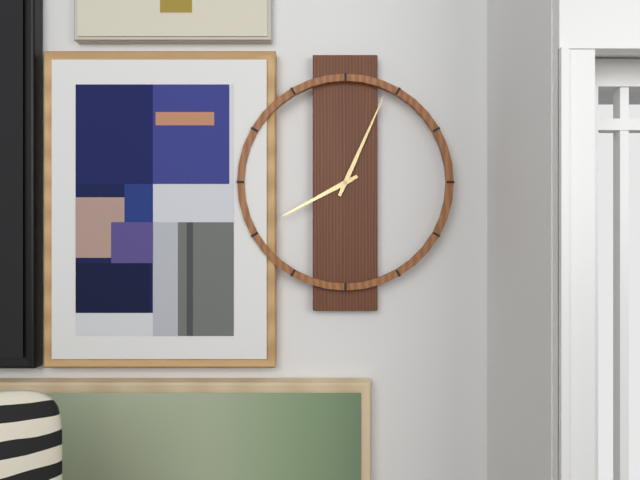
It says 8 h 04 min
